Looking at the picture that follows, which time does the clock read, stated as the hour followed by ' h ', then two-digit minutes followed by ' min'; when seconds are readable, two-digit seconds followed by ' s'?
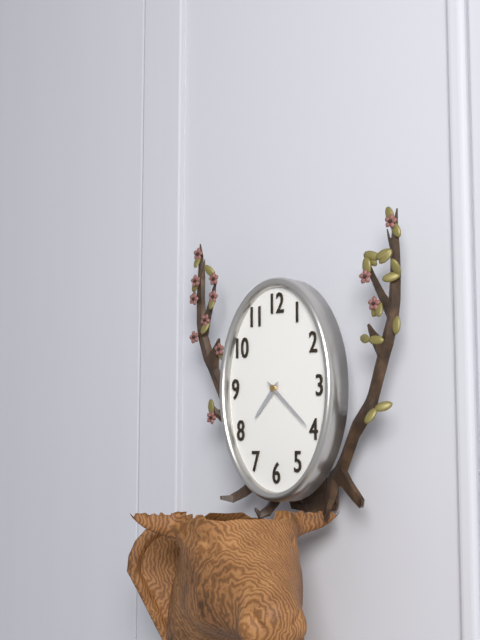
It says 7 h 22 min
